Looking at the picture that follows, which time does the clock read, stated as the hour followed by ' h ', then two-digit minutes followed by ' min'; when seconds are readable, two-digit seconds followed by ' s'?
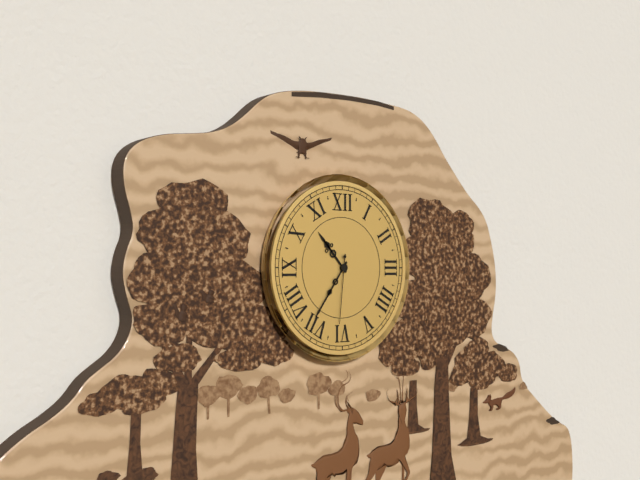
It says 10 h 36 min 31 s
